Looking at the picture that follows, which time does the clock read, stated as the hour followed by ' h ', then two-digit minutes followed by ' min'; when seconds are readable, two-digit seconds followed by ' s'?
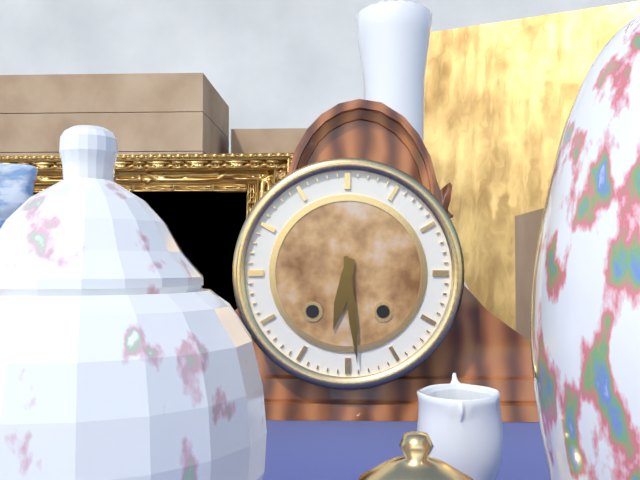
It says 6 h 29 min
